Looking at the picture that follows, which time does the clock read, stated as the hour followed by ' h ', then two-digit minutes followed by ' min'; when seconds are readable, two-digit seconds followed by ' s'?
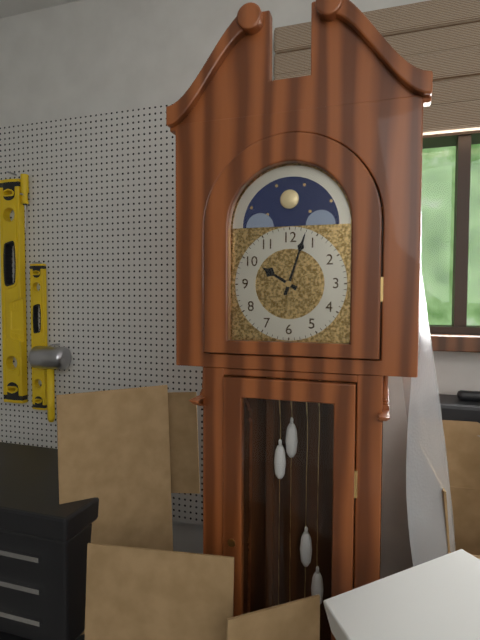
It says 10 h 03 min
